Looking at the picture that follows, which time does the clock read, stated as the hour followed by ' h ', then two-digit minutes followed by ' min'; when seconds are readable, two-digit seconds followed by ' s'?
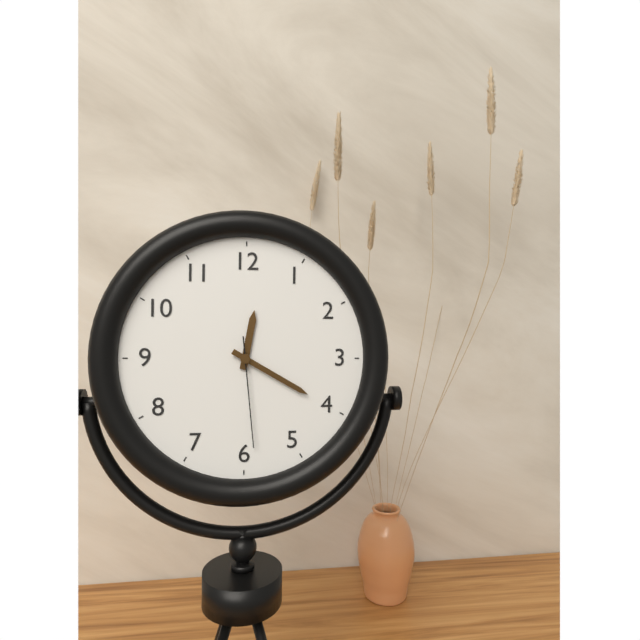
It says 12 h 20 min 29 s
